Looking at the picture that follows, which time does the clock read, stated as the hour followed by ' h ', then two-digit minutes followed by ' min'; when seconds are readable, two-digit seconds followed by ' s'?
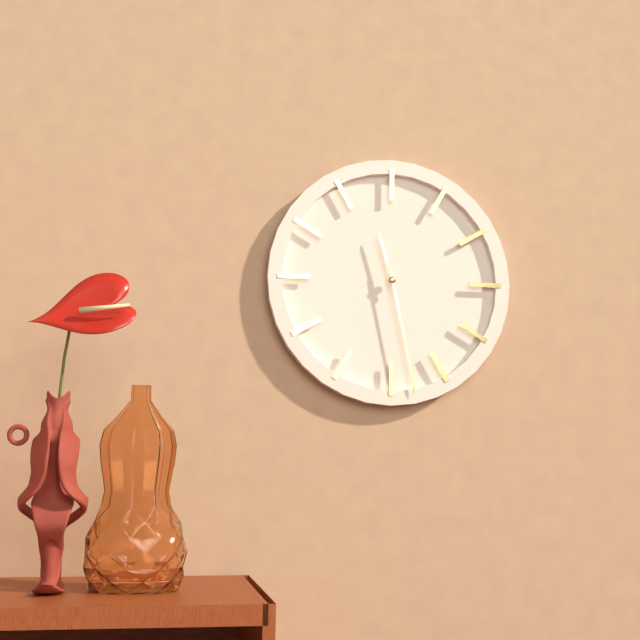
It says 11 h 28 min
